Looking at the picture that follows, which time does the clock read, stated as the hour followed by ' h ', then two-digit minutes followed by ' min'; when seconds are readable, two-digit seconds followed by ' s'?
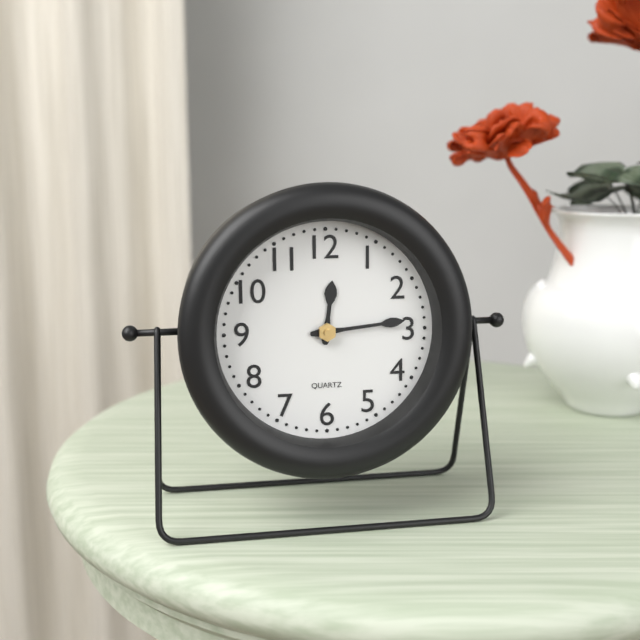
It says 12 h 14 min
